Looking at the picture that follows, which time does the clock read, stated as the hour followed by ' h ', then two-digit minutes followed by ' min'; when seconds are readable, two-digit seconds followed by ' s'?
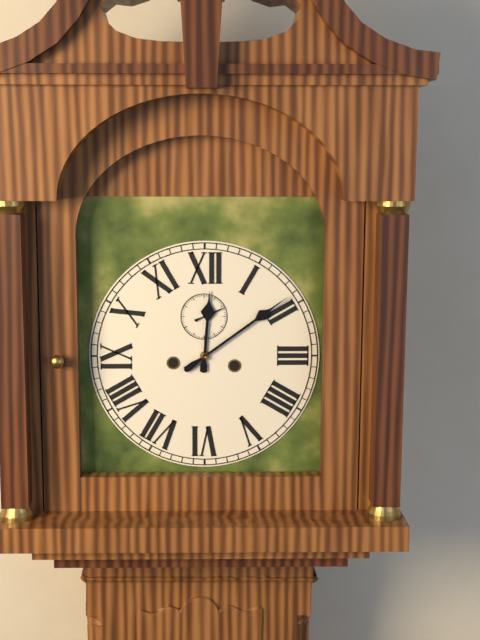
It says 12 h 09 min
